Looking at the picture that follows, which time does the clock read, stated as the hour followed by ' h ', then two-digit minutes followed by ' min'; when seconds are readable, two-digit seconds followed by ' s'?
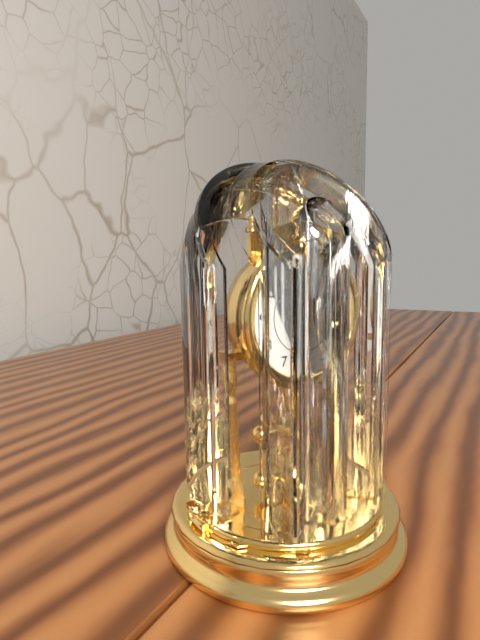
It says 11 h 30 min
